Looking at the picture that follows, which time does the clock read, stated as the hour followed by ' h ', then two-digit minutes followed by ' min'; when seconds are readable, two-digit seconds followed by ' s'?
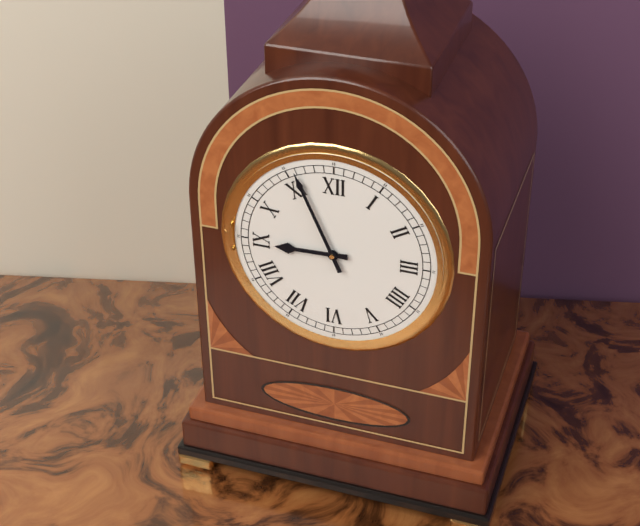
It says 8 h 56 min
